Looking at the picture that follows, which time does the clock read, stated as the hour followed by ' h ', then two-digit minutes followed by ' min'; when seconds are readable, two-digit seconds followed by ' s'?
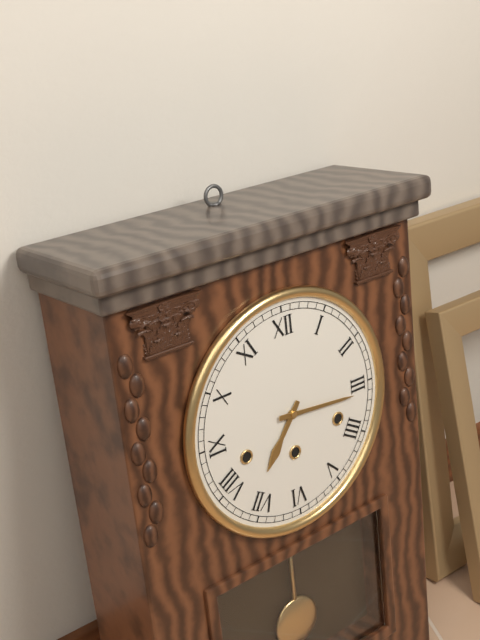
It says 7 h 16 min
